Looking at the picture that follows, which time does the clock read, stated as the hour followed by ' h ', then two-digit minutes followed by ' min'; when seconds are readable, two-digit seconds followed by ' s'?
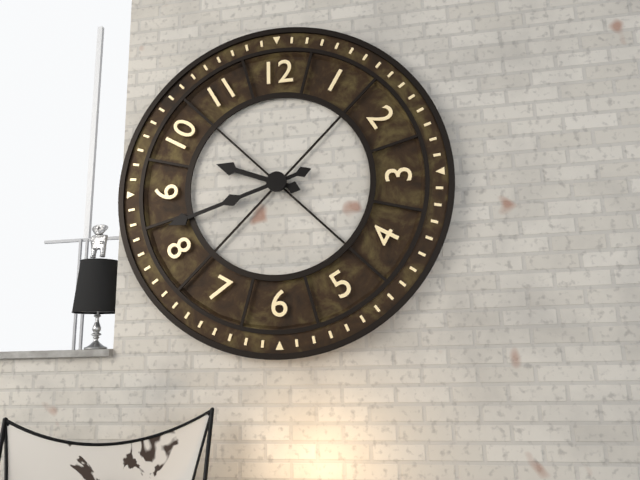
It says 9 h 42 min
